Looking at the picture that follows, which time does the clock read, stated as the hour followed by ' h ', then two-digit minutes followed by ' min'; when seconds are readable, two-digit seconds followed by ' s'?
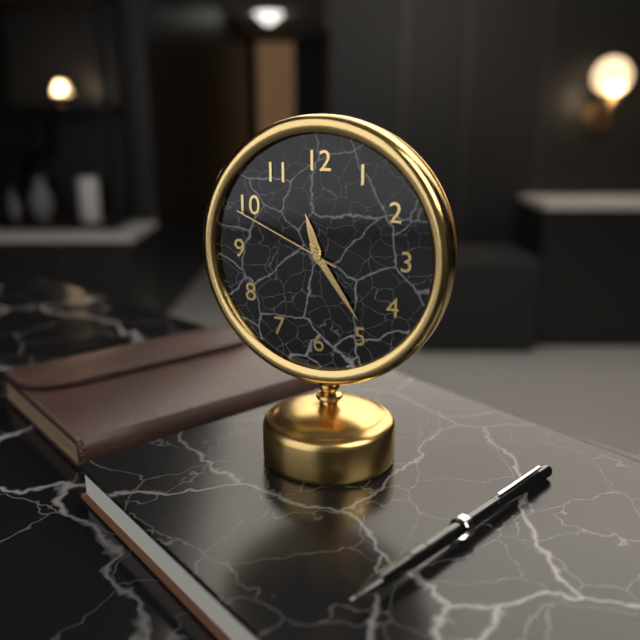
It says 11 h 24 min 49 s
